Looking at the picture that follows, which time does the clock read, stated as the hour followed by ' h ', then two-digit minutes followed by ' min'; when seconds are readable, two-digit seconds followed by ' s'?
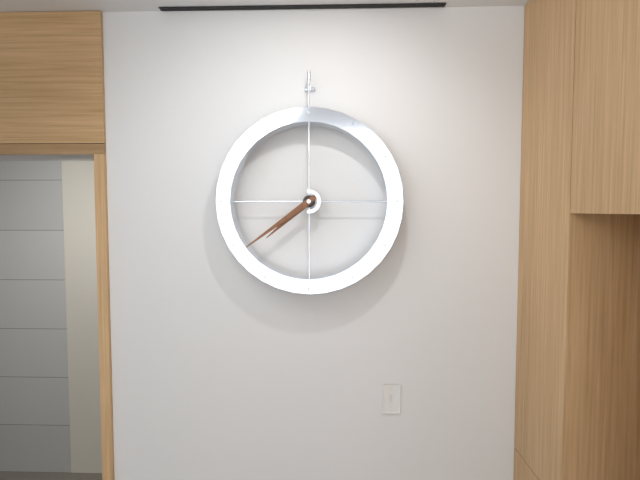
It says 7 h 39 min
